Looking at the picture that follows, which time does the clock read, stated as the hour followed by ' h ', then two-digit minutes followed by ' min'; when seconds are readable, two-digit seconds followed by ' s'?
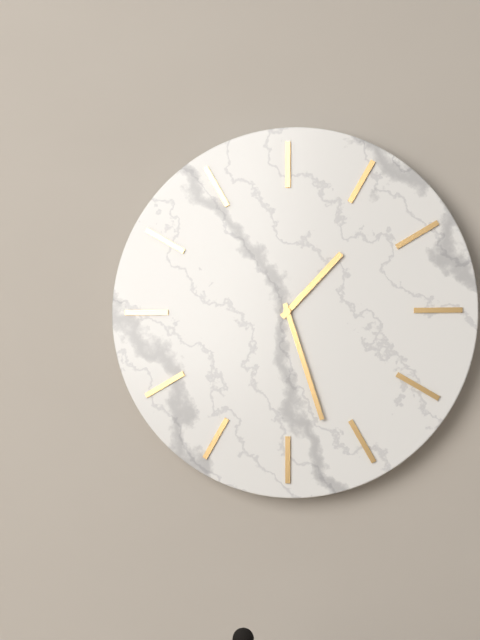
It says 1 h 27 min
